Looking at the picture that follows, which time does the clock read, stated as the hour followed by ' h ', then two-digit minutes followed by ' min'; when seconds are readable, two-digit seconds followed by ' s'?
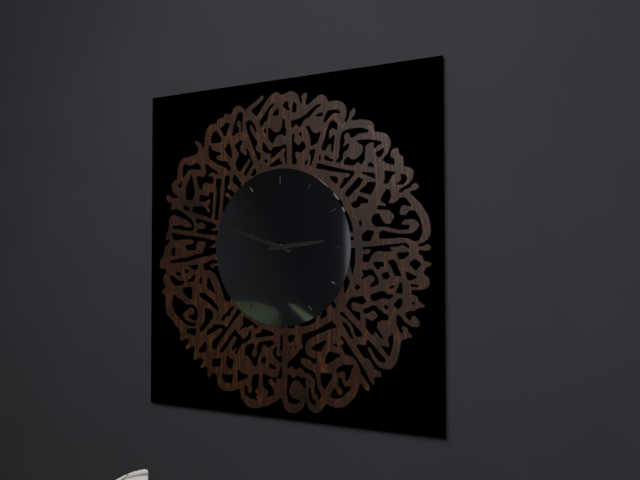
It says 2 h 48 min
